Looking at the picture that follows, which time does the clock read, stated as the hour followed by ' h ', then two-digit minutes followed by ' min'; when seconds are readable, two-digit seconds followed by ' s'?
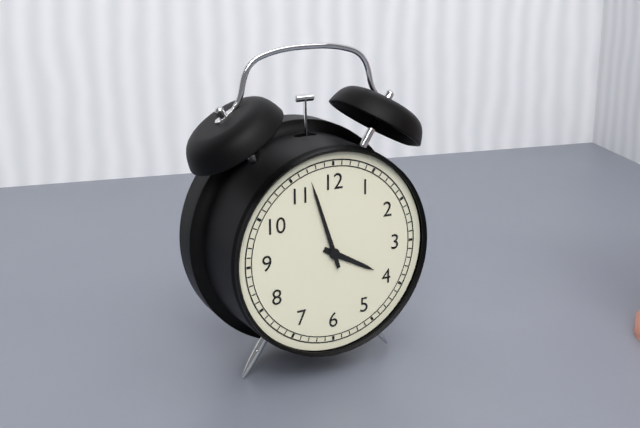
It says 3 h 57 min
